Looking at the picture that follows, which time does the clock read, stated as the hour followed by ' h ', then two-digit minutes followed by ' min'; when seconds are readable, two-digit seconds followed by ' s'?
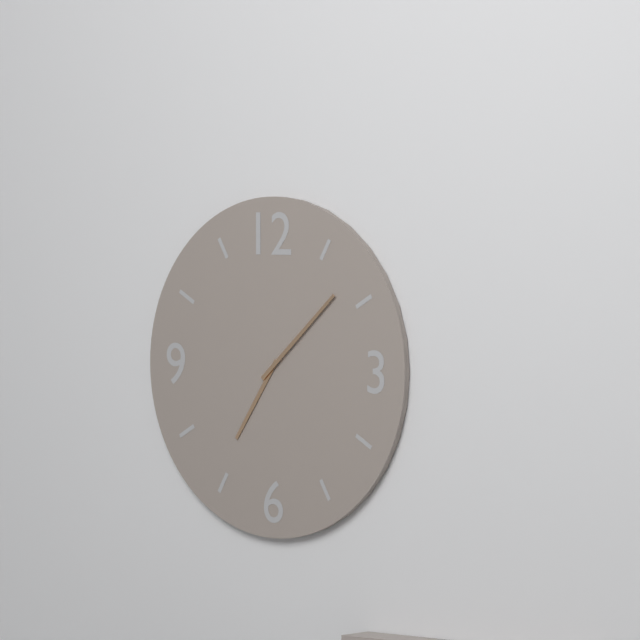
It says 7 h 08 min
